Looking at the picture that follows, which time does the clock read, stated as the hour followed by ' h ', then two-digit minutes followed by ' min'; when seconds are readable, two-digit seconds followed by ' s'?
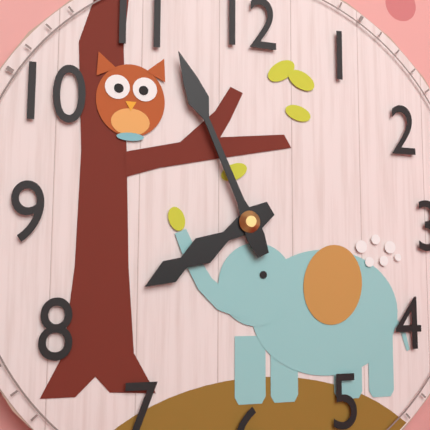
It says 7 h 56 min
